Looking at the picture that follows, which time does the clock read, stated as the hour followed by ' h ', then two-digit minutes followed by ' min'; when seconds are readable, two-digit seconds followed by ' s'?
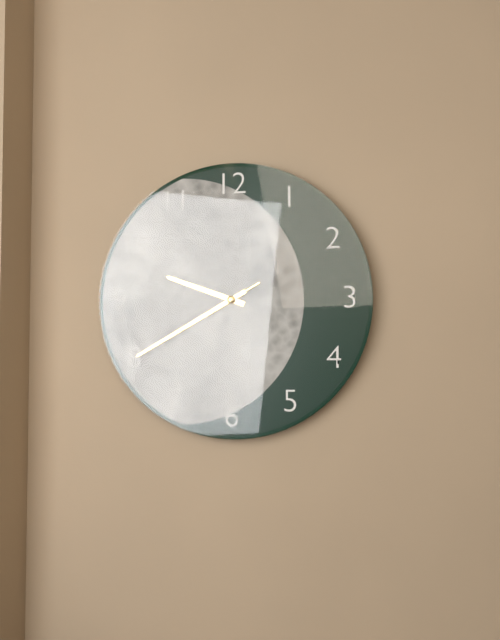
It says 9 h 40 min 40 s
